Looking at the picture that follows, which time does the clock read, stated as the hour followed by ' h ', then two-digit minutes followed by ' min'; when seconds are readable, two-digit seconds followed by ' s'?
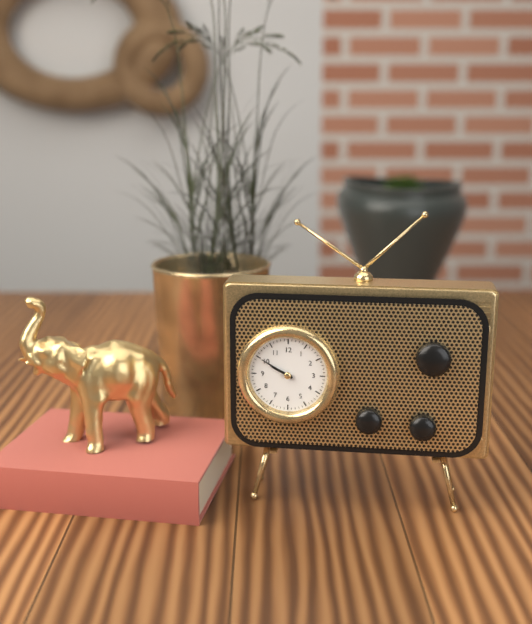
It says 9 h 50 min
